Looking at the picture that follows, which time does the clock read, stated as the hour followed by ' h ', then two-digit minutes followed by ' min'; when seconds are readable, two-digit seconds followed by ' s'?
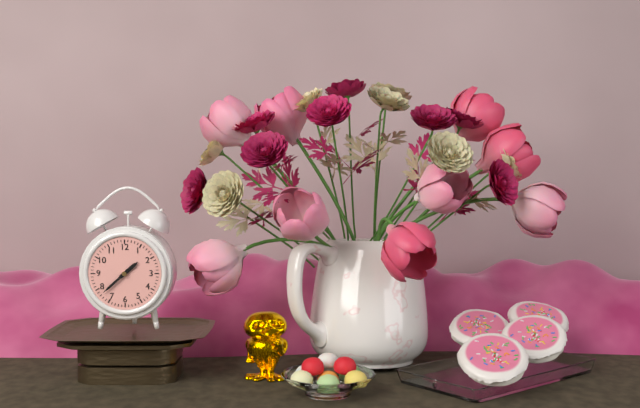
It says 1 h 38 min
